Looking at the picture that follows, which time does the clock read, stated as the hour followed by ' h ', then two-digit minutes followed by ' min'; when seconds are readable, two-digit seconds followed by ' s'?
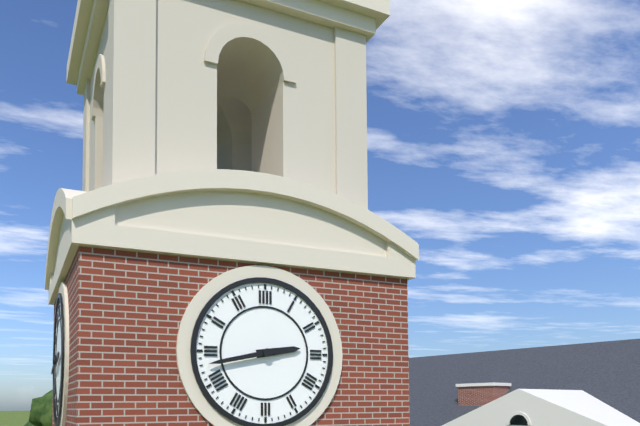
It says 2 h 43 min
